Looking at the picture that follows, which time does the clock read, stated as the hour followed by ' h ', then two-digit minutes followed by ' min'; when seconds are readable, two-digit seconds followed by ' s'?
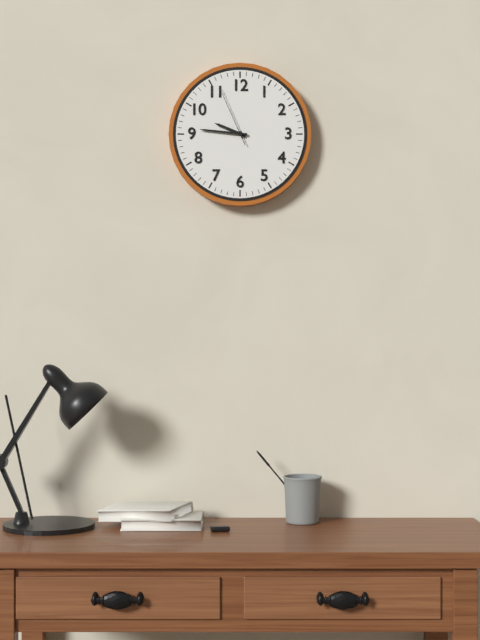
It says 9 h 46 min 56 s
